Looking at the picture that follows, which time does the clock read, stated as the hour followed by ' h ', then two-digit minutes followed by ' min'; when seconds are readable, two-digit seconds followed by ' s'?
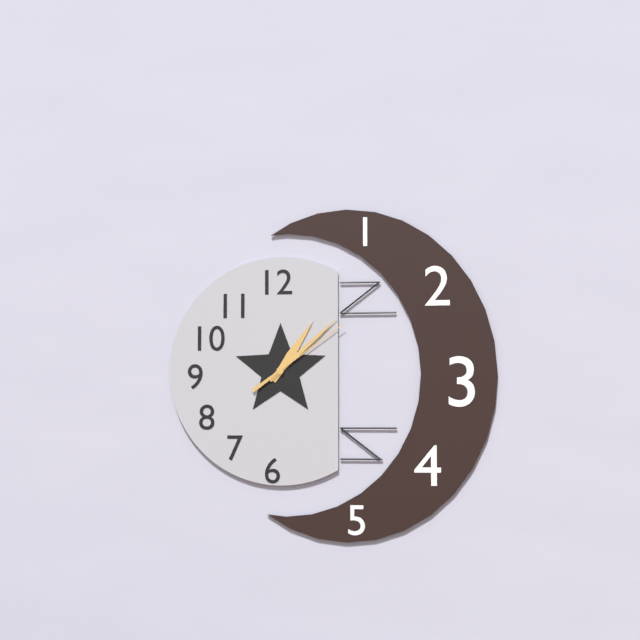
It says 1 h 08 min 09 s
